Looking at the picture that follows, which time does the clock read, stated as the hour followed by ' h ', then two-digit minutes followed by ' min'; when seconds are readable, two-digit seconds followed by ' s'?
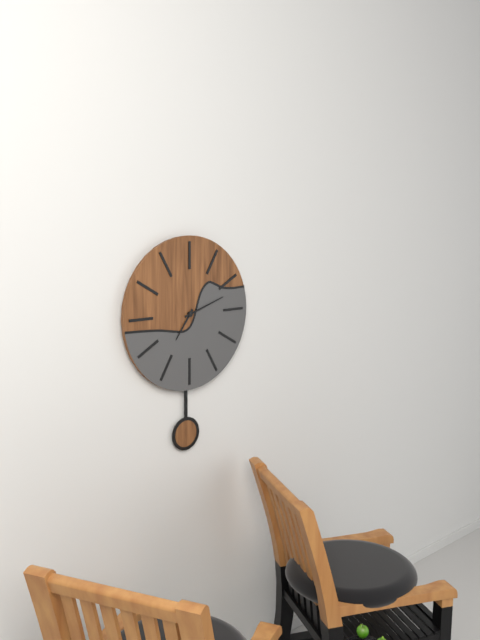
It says 7 h 12 min
